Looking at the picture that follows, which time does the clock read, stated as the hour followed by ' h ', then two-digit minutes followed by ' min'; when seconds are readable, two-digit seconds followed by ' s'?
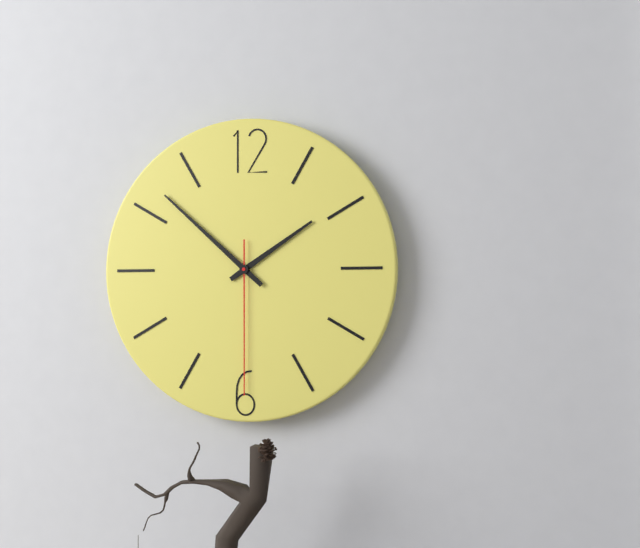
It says 1 h 52 min 30 s
